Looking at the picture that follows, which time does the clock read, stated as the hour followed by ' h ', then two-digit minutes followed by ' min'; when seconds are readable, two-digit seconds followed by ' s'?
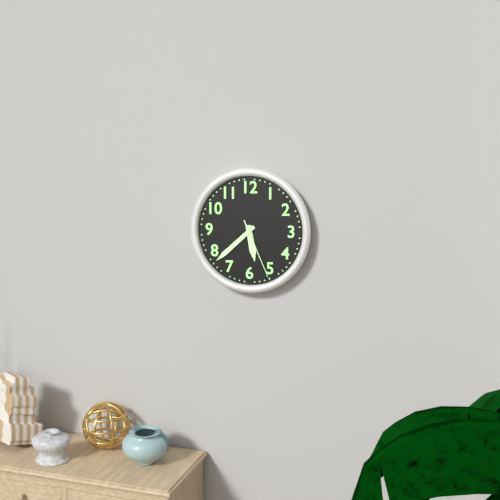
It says 5 h 38 min 26 s
